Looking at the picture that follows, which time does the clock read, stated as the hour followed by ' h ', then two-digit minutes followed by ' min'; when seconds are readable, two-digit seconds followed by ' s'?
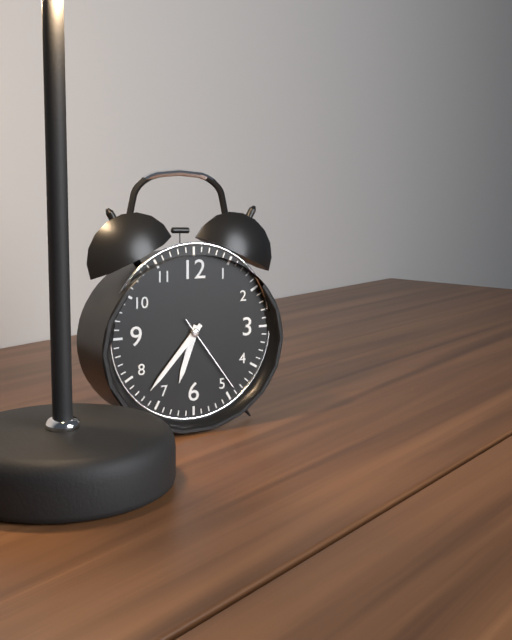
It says 6 h 37 min 24 s
